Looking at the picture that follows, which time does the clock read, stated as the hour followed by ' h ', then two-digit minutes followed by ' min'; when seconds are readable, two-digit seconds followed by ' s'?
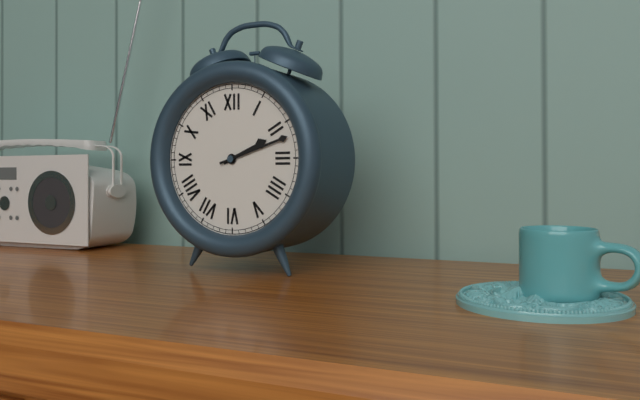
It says 2 h 12 min
